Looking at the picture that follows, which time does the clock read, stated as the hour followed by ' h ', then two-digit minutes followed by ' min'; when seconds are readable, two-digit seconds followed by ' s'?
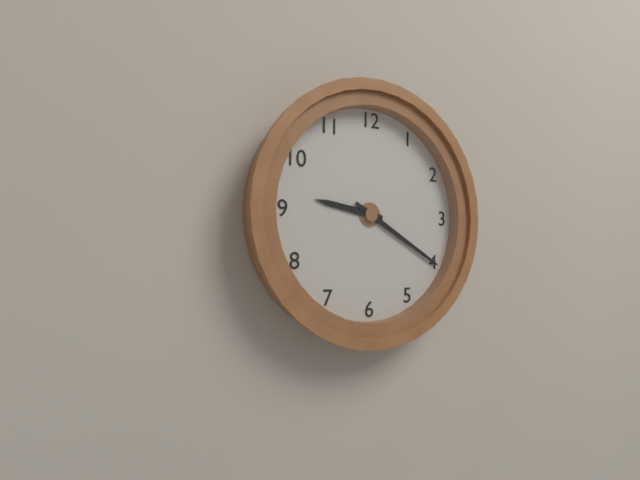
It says 9 h 20 min
